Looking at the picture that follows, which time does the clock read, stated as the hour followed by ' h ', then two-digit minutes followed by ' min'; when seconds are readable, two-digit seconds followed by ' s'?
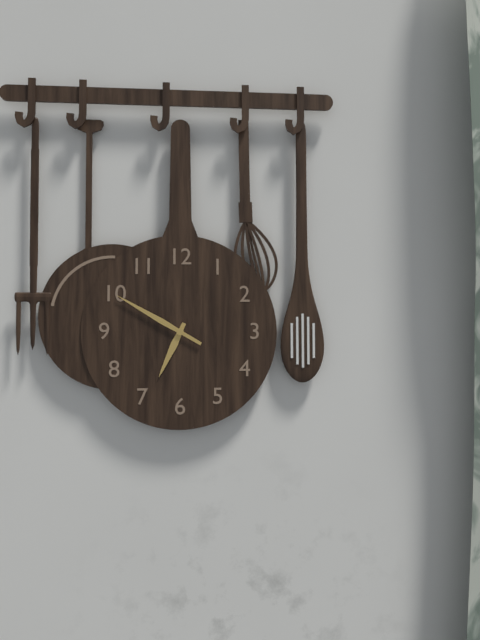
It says 6 h 50 min
